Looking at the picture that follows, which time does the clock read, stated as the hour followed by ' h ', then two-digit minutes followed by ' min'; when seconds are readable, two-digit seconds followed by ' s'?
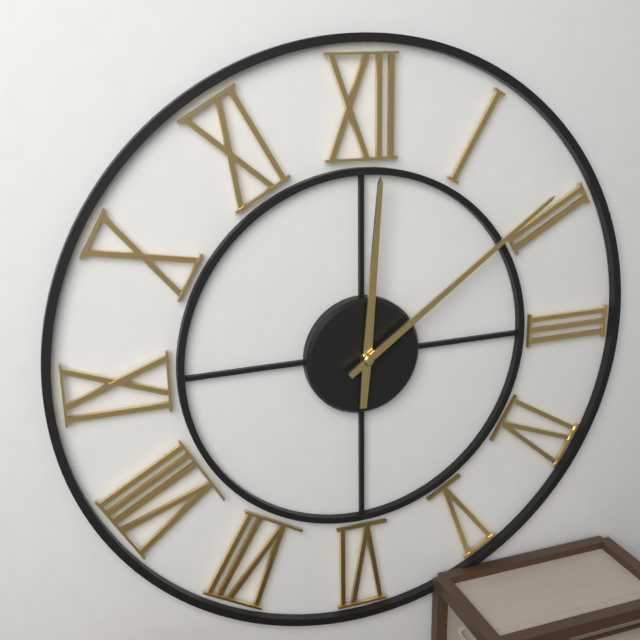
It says 12 h 09 min
